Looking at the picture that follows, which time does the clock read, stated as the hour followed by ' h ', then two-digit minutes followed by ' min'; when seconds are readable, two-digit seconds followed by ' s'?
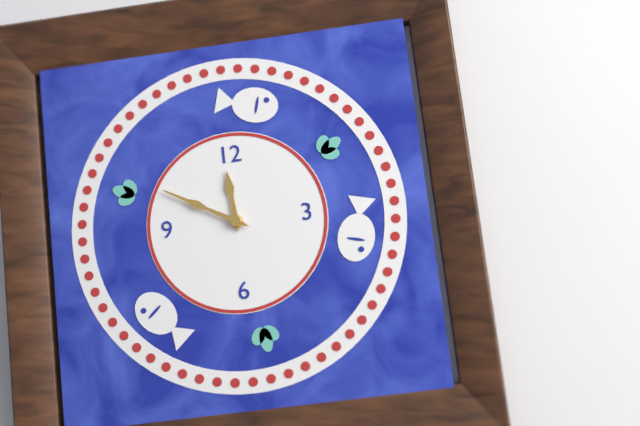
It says 11 h 50 min
